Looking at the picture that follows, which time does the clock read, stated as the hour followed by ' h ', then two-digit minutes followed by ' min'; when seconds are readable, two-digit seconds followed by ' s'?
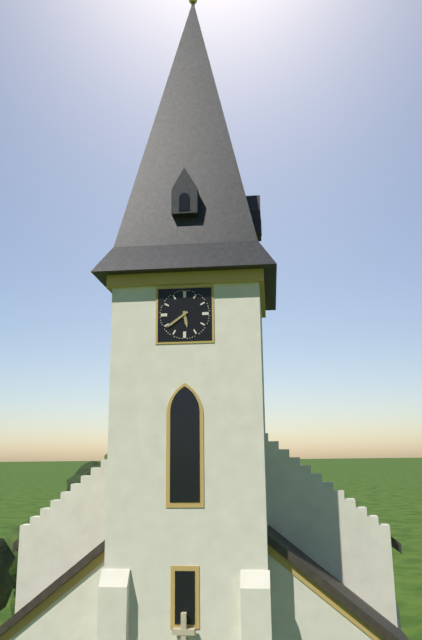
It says 5 h 39 min
